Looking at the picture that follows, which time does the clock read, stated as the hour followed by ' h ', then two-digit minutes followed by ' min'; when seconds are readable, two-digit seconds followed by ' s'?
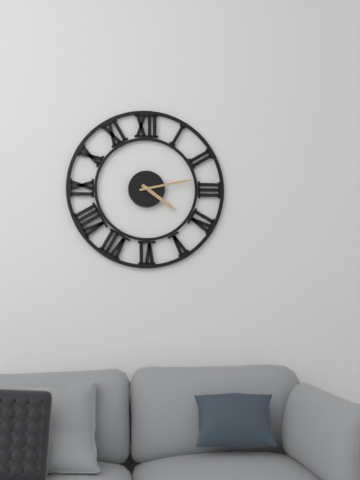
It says 4 h 13 min
